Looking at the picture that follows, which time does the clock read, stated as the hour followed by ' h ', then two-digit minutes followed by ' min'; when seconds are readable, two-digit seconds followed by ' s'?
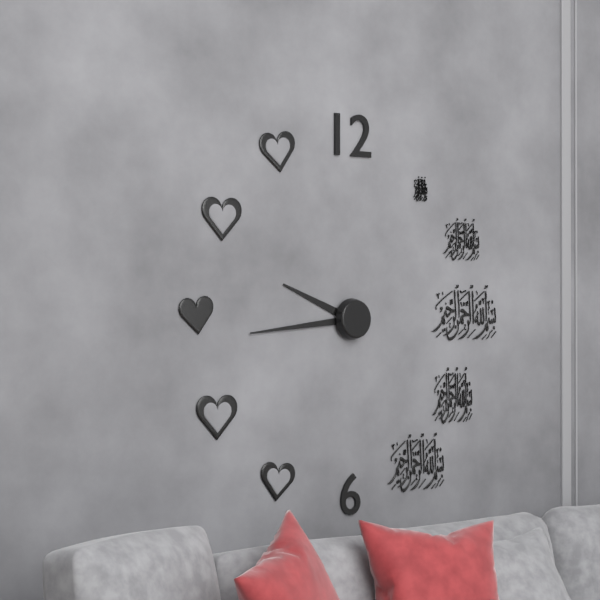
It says 9 h 44 min
